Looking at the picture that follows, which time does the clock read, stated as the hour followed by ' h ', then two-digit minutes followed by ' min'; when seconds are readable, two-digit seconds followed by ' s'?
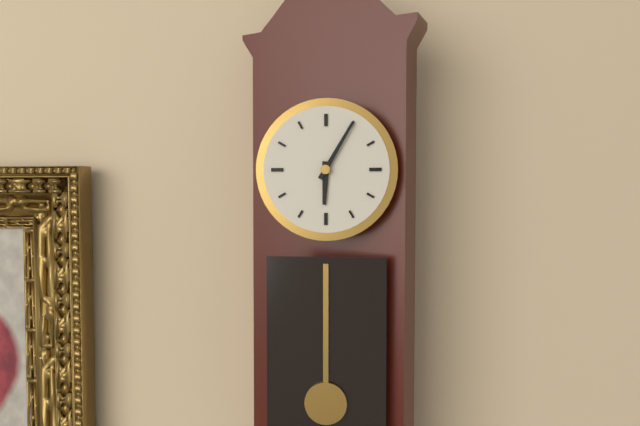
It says 6 h 05 min
